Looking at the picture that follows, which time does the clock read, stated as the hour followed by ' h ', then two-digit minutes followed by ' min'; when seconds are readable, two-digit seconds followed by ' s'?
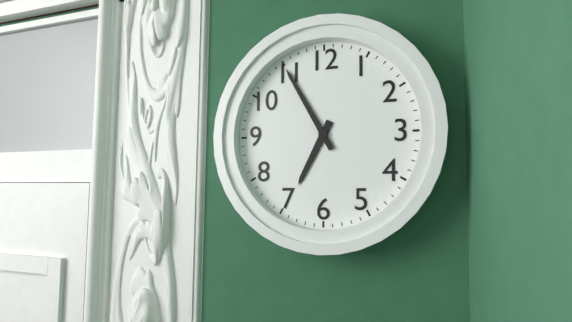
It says 6 h 55 min
